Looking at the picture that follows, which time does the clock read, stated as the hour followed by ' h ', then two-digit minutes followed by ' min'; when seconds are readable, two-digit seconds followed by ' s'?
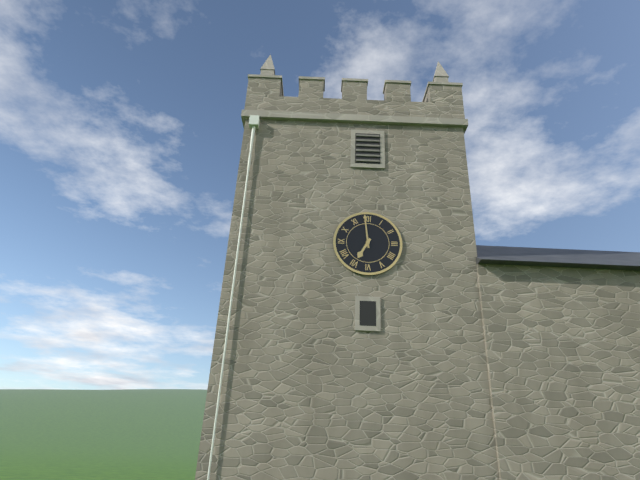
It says 6 h 59 min
